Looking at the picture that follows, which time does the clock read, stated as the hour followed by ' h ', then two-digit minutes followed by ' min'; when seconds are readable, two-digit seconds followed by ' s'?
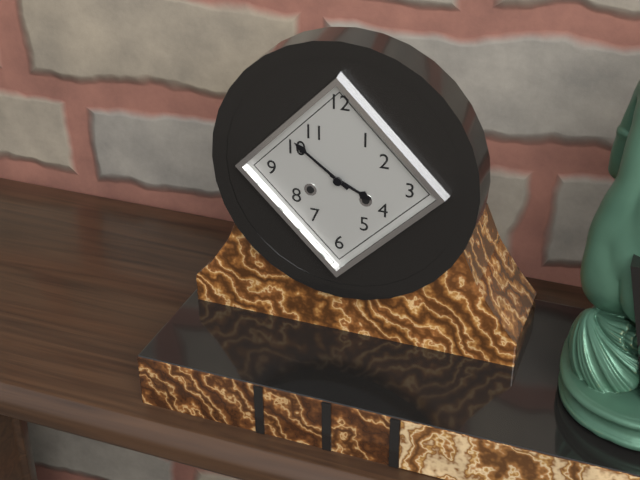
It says 3 h 51 min
